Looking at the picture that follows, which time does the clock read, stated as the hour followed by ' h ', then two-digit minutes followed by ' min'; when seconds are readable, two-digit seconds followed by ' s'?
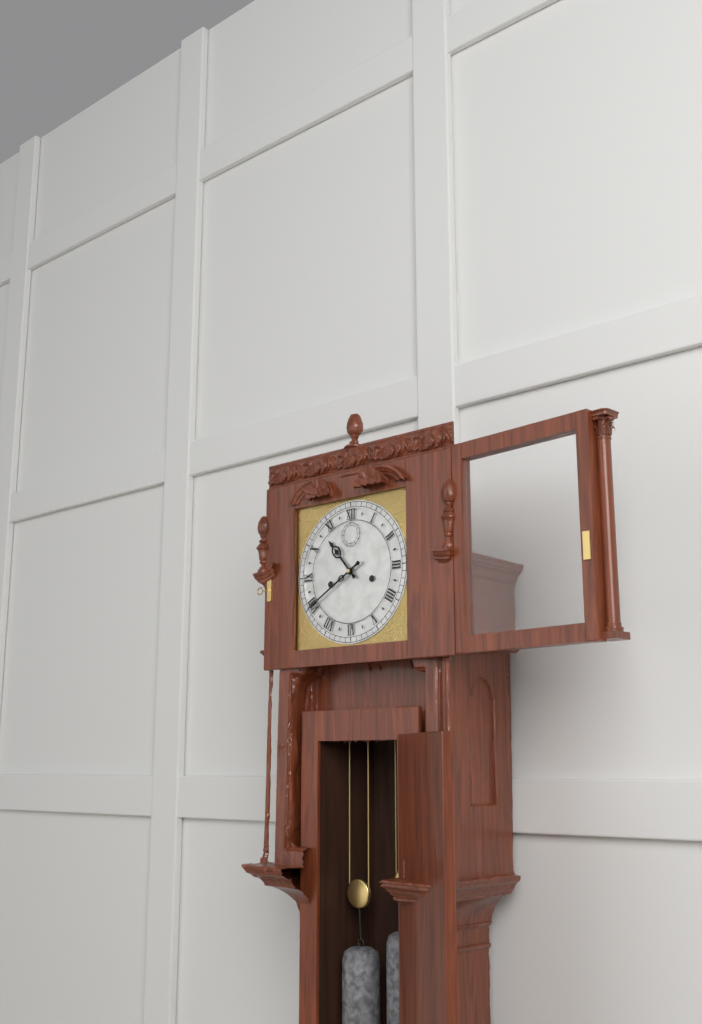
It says 10 h 40 min
